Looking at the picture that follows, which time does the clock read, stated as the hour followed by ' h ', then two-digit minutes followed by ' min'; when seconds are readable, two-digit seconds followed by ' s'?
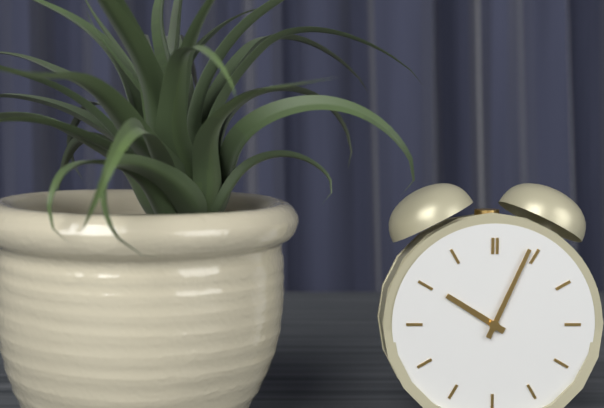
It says 10 h 04 min
